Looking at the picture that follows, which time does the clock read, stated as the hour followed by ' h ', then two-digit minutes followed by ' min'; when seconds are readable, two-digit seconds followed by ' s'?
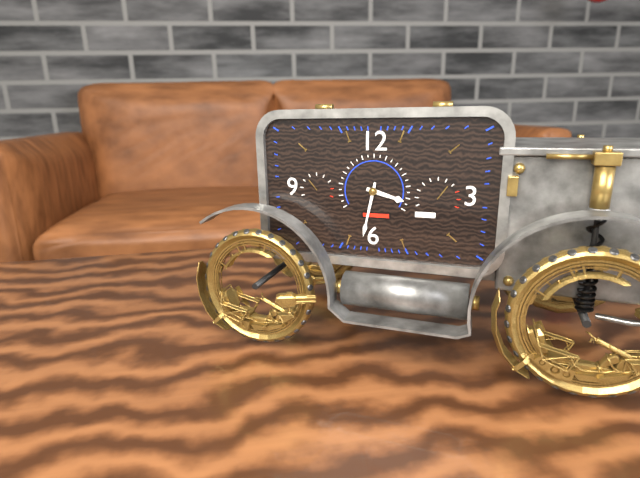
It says 3 h 32 min
